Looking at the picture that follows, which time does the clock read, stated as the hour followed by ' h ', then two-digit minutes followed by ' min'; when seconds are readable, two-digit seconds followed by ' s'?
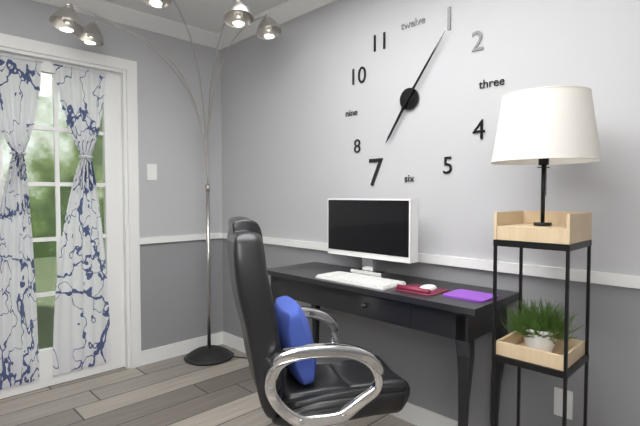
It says 7 h 06 min
